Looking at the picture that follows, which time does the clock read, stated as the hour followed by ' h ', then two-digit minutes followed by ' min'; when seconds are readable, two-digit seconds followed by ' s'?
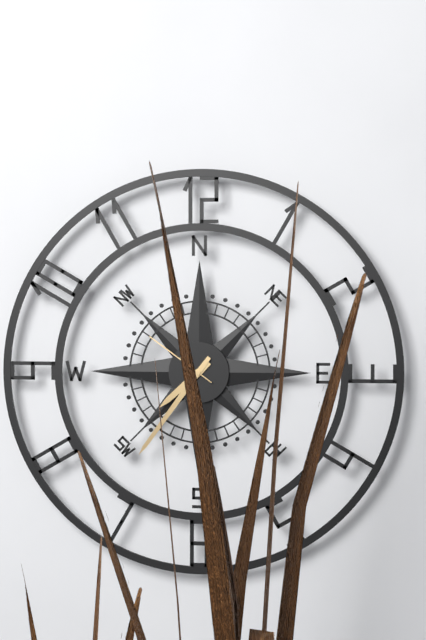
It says 7 h 36 min 51 s
